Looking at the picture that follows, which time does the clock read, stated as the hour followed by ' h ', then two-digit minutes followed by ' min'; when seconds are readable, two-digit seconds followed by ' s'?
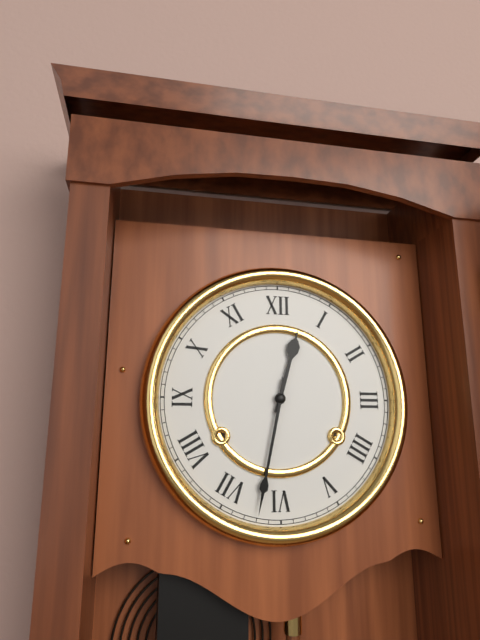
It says 12 h 32 min
